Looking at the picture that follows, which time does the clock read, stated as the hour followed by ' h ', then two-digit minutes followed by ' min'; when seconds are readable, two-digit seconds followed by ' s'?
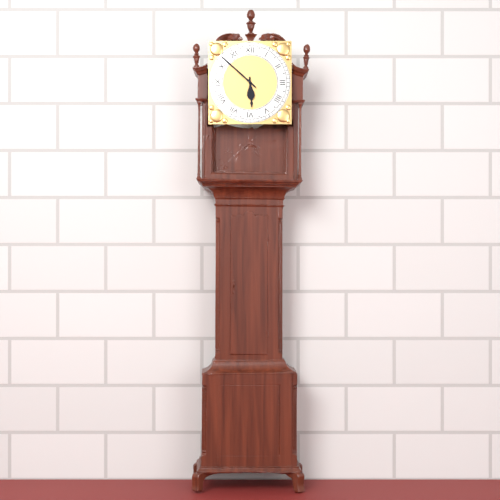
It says 5 h 52 min
